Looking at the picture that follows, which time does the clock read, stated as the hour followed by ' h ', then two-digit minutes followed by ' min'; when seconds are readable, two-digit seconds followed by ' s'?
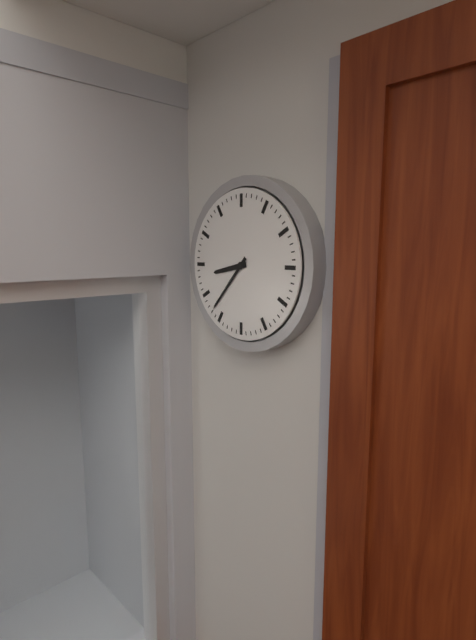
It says 8 h 37 min
